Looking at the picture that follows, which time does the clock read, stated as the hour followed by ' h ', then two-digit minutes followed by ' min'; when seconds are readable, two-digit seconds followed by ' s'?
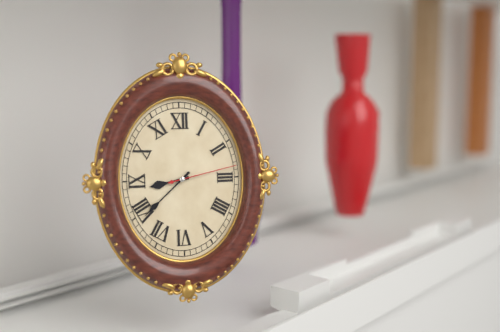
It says 8 h 38 min 13 s
